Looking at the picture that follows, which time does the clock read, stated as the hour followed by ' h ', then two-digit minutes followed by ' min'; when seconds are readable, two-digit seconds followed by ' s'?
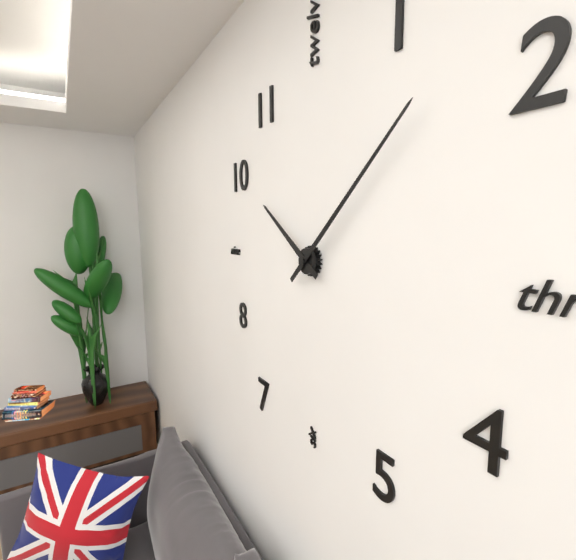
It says 10 h 08 min
